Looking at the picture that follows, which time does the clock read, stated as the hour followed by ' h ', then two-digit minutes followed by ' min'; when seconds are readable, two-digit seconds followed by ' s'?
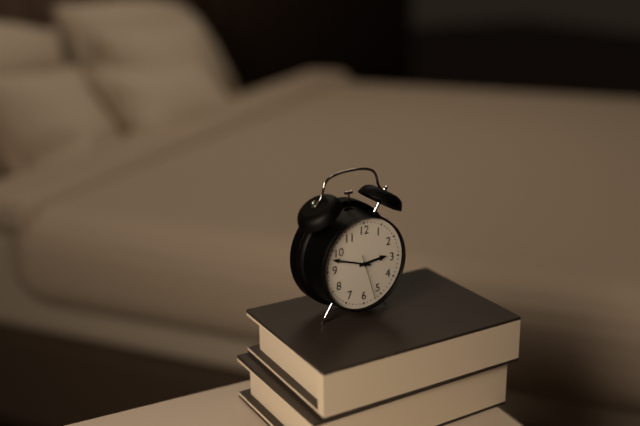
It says 2 h 48 min 27 s
